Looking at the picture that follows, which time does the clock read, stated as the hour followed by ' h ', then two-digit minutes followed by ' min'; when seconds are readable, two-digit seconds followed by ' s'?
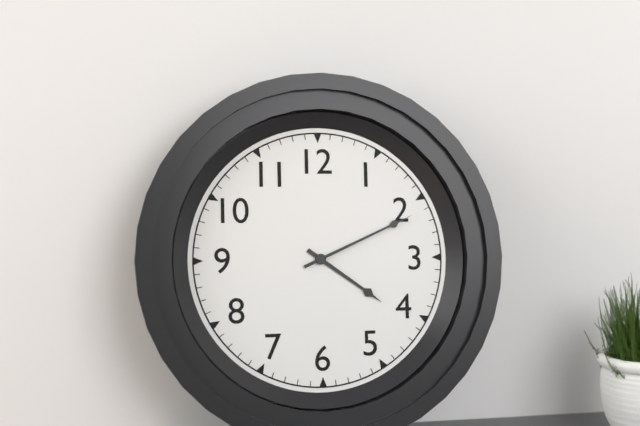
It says 4 h 11 min
